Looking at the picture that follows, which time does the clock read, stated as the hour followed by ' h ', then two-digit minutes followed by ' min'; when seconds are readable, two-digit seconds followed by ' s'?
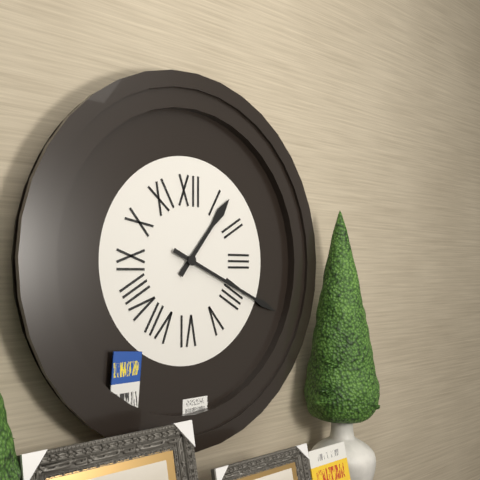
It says 1 h 19 min
